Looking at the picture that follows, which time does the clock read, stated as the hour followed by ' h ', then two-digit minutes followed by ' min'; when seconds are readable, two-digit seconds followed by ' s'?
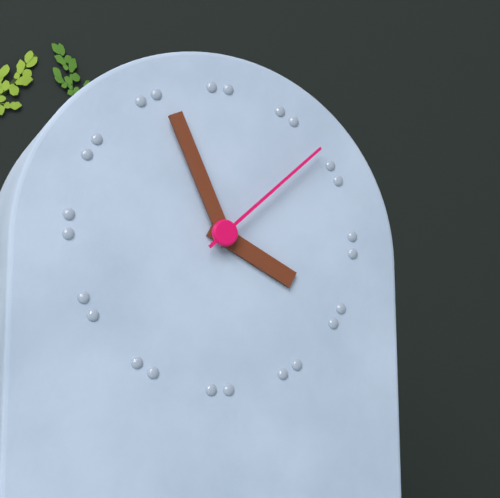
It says 3 h 56 min 08 s
